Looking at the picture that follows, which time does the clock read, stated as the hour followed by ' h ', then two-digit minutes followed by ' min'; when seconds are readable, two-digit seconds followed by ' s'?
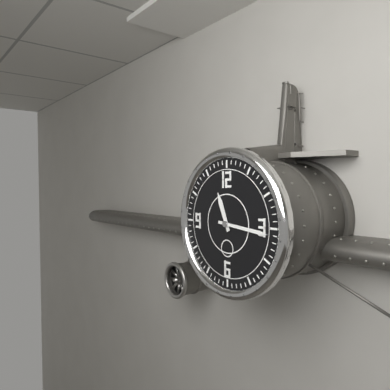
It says 11 h 16 min
